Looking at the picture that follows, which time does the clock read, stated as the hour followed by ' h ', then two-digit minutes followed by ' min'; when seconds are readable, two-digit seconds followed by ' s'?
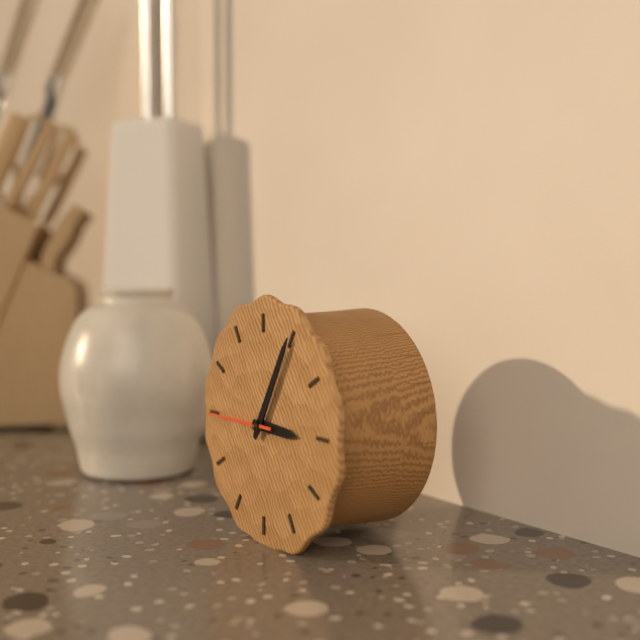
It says 3 h 05 min 45 s
